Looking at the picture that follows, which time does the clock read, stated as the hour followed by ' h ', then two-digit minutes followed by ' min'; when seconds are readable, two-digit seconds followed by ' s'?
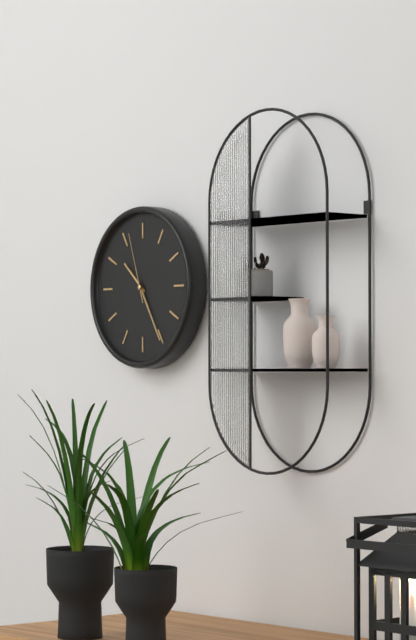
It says 10 h 25 min 57 s
